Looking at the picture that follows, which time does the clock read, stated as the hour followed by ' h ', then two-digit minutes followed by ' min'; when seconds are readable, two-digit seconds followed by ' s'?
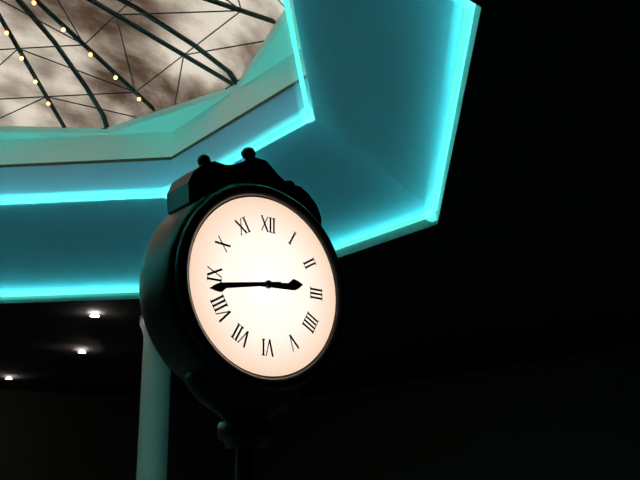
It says 2 h 43 min
